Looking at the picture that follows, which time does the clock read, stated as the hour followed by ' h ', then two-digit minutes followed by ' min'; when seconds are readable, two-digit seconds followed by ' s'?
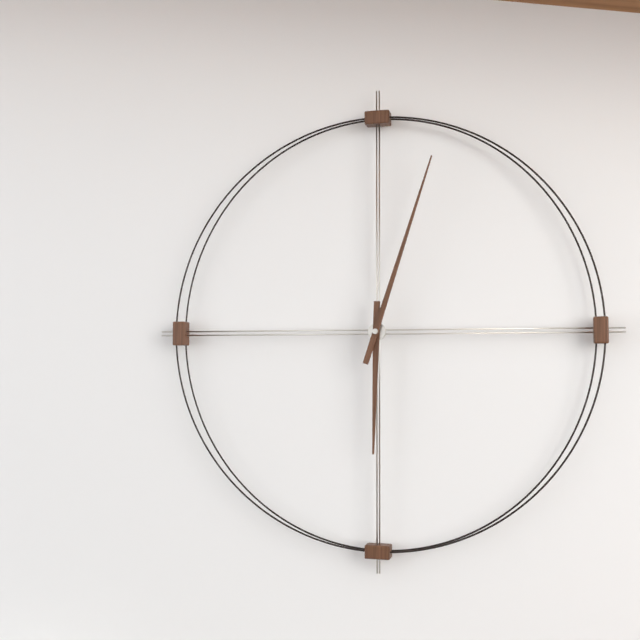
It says 6 h 03 min
